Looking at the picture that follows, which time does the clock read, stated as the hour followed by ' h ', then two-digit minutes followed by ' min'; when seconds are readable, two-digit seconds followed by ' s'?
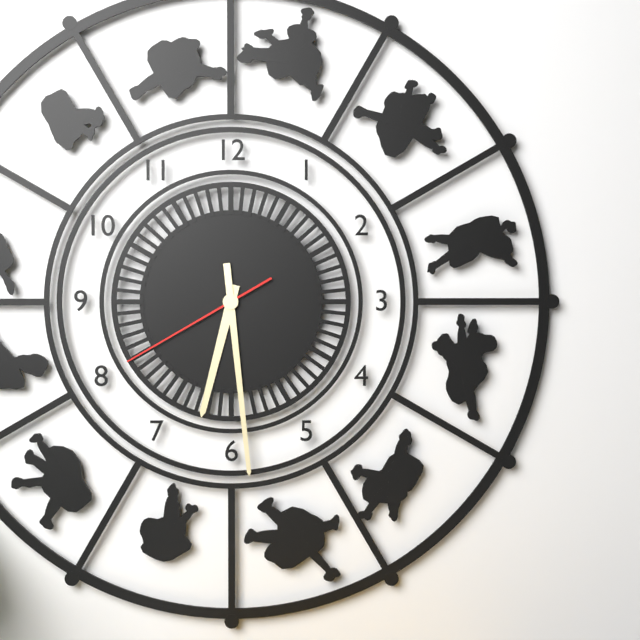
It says 6 h 29 min 40 s
